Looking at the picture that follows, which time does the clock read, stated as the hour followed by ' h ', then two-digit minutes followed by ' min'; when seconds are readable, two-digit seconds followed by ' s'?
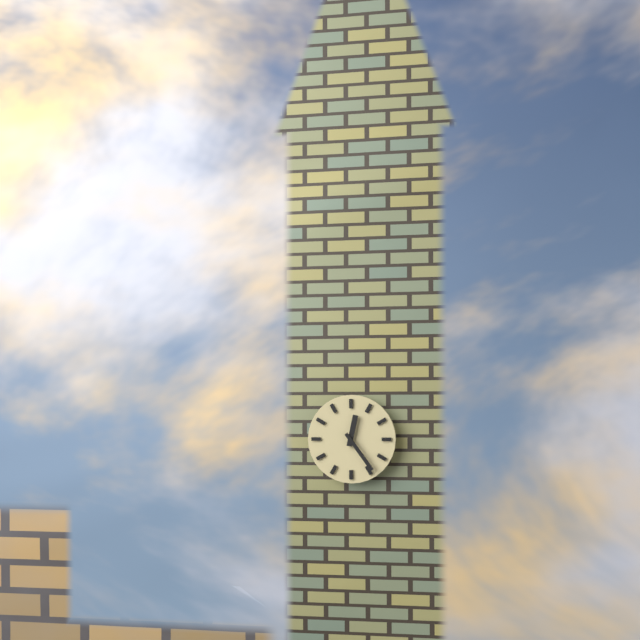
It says 12 h 24 min
